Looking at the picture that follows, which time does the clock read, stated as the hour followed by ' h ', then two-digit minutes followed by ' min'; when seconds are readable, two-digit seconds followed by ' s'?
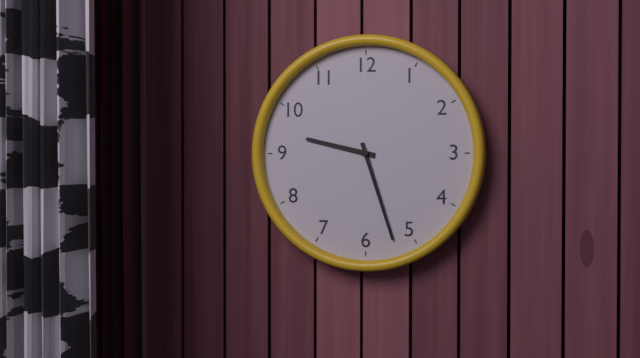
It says 9 h 27 min
